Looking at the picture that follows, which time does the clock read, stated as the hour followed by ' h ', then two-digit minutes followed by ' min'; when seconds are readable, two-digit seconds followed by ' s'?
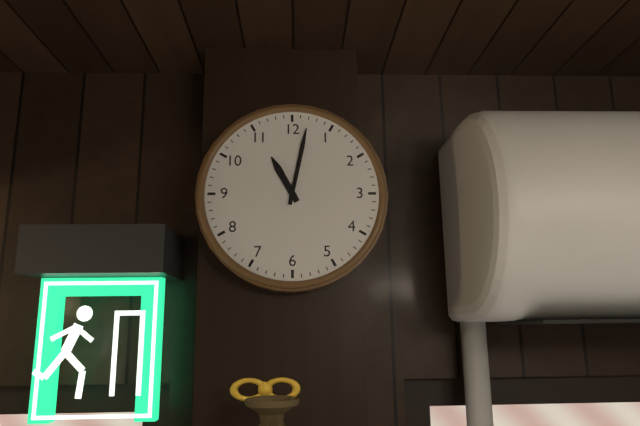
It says 11 h 02 min
